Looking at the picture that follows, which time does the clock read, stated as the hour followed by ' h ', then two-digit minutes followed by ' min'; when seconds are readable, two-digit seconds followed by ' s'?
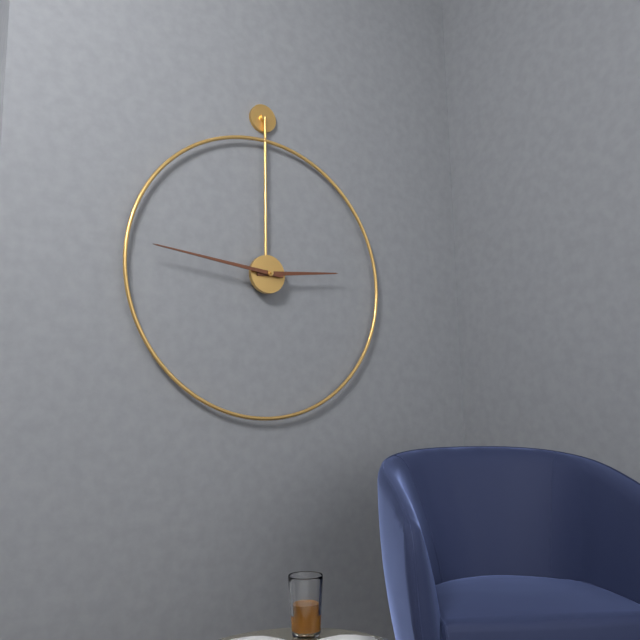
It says 2 h 46 min
